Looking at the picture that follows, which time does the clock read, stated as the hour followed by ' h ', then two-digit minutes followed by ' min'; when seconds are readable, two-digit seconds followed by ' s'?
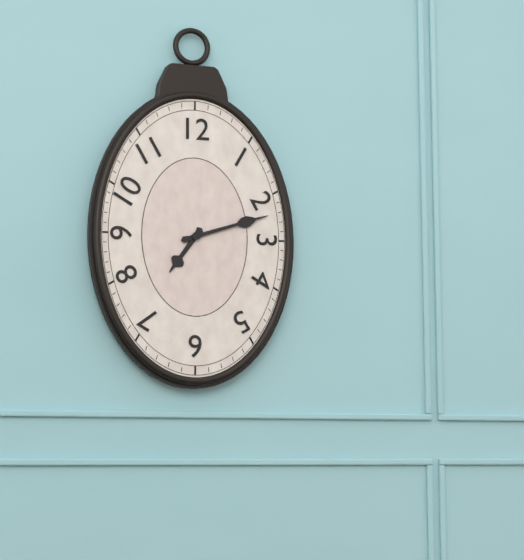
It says 7 h 12 min
